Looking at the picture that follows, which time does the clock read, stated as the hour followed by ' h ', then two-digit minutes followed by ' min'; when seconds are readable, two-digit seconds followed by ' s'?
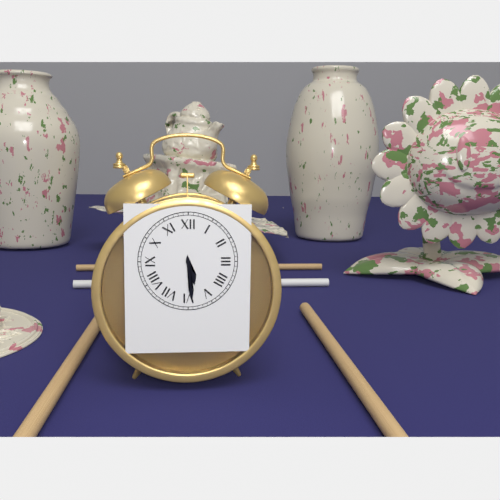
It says 5 h 29 min
